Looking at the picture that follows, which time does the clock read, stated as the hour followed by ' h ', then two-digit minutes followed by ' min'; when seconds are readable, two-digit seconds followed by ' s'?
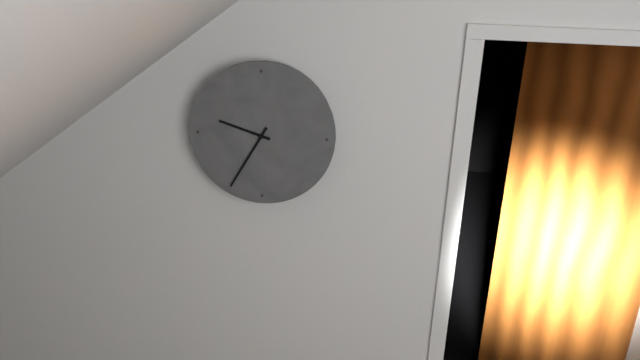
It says 9 h 35 min
